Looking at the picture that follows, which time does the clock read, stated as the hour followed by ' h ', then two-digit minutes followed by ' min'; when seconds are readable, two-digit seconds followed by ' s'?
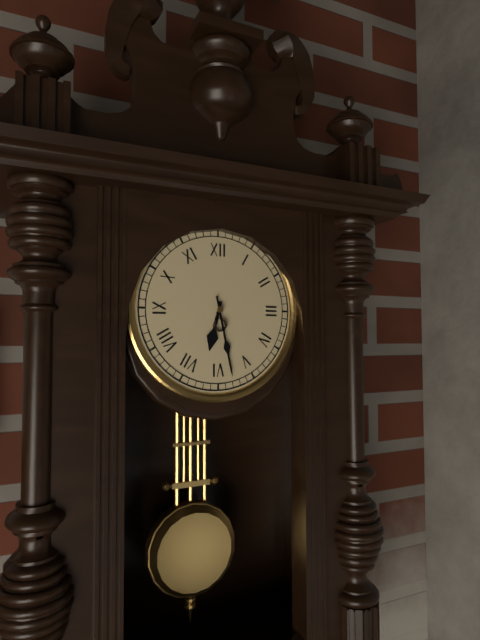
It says 6 h 28 min
